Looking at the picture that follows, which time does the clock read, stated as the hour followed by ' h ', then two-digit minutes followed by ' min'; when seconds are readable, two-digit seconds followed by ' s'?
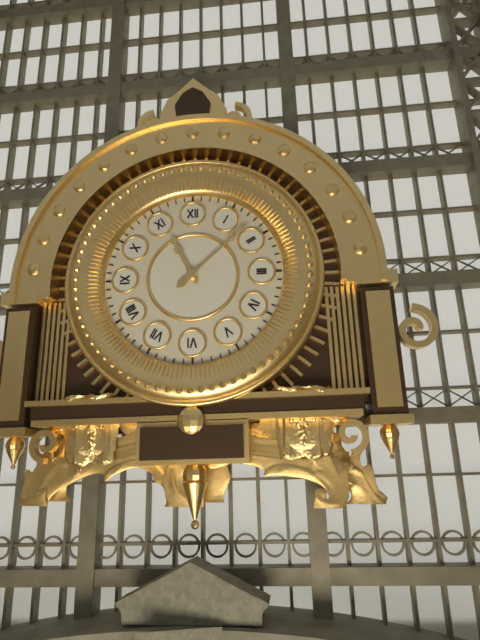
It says 11 h 08 min
